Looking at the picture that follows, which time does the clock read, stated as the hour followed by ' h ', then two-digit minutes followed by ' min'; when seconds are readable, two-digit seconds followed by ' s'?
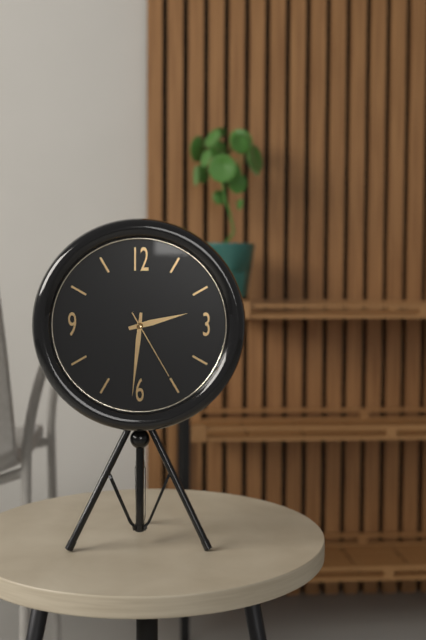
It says 2 h 31 min 25 s
